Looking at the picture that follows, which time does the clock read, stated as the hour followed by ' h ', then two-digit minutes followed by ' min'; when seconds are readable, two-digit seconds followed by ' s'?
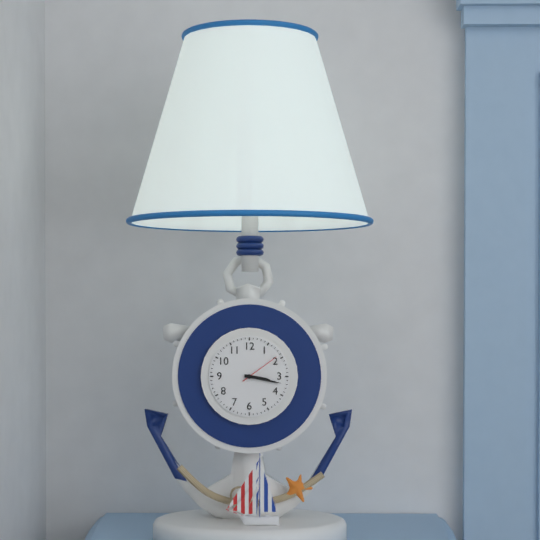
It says 3 h 17 min
